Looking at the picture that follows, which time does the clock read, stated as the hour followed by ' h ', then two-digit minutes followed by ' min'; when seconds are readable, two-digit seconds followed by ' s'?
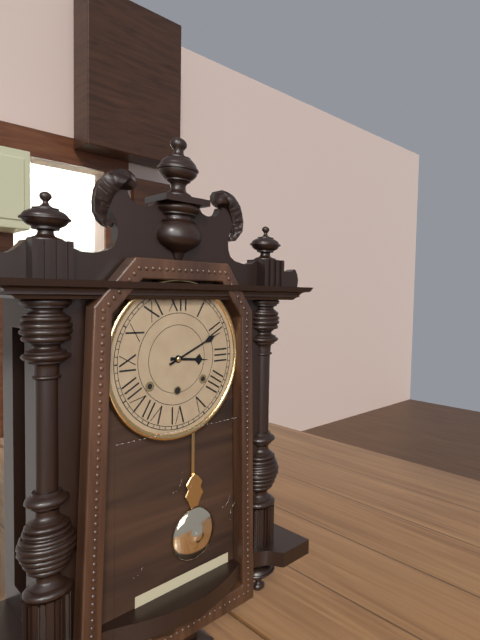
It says 3 h 11 min
